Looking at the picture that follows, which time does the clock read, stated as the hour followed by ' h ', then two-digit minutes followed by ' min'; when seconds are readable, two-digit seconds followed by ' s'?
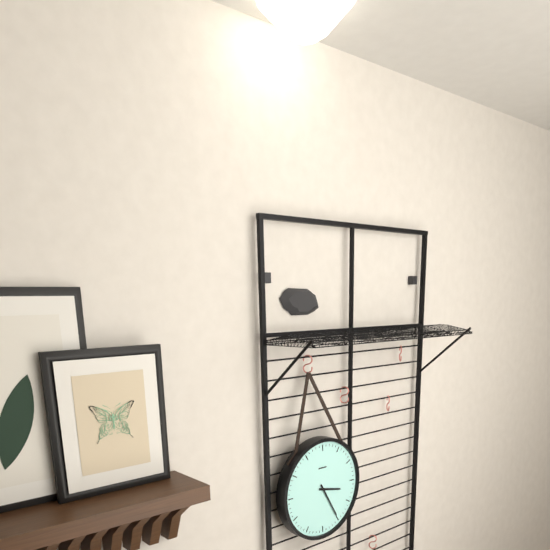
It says 3 h 25 min
